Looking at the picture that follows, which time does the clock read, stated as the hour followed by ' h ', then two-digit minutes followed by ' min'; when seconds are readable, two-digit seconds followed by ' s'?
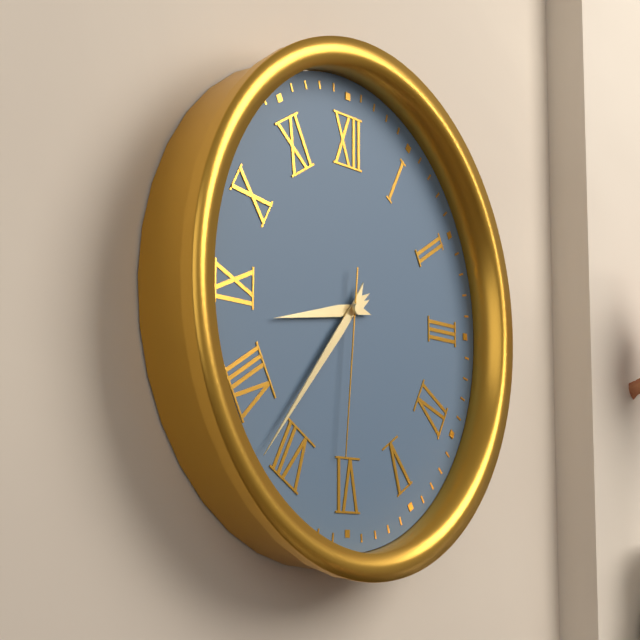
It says 8 h 37 min 31 s
